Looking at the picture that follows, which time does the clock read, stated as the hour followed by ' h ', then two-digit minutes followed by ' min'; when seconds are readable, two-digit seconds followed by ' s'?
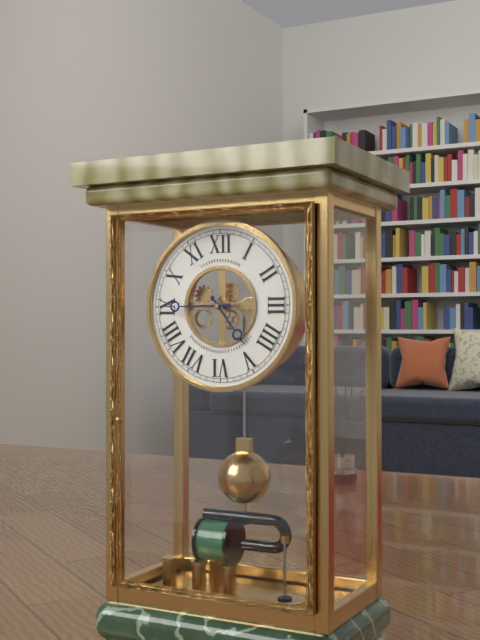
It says 4 h 45 min
